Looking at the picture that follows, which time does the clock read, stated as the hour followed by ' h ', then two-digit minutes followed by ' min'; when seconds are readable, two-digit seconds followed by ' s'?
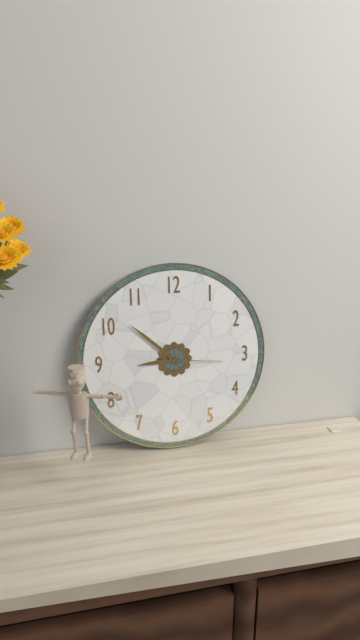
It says 8 h 52 min 16 s
